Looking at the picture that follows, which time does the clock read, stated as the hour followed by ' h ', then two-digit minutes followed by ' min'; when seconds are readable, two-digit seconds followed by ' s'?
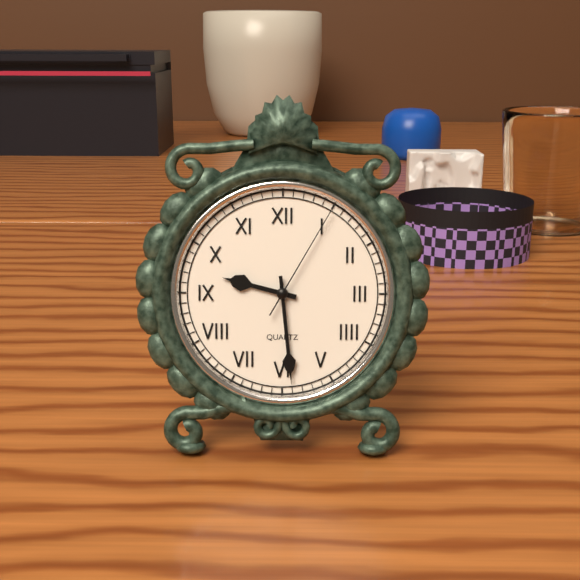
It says 9 h 29 min 05 s
